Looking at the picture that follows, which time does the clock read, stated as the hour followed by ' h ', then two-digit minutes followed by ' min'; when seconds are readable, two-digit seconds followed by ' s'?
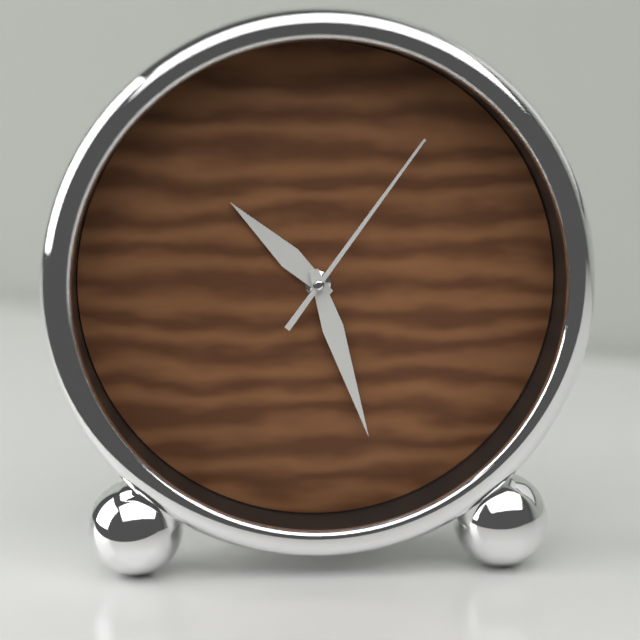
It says 10 h 27 min 06 s
